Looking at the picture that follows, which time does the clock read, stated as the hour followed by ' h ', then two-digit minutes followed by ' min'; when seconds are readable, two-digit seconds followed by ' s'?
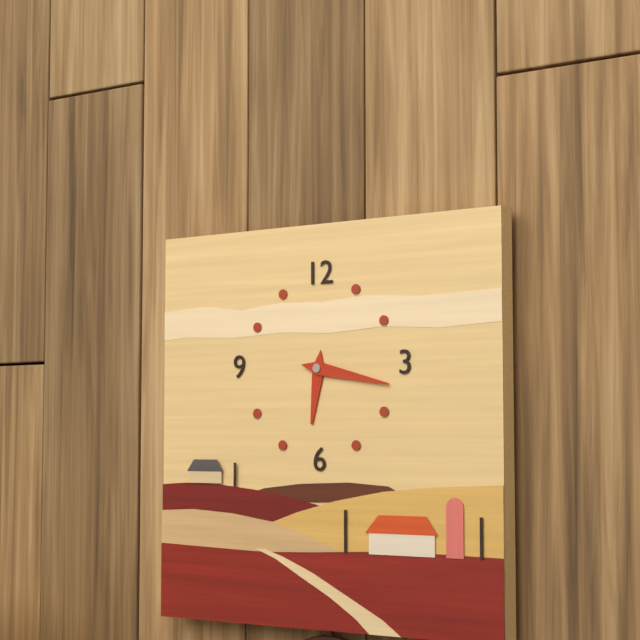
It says 6 h 17 min
